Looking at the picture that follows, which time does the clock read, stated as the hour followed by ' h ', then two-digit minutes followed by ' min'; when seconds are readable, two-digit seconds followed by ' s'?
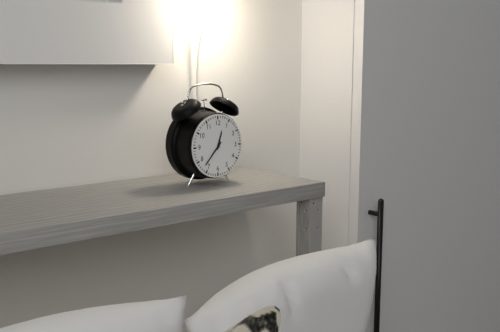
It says 12 h 37 min
